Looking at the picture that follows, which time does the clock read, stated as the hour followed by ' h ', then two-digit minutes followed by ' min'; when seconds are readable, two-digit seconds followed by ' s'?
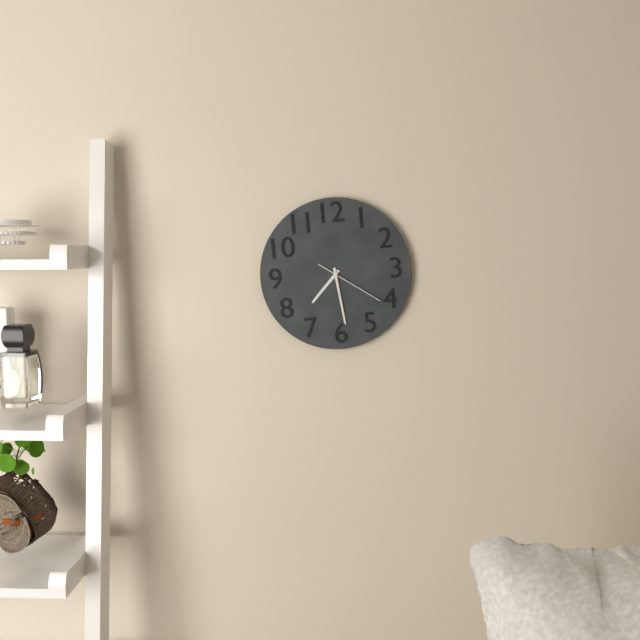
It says 7 h 29 min 21 s
